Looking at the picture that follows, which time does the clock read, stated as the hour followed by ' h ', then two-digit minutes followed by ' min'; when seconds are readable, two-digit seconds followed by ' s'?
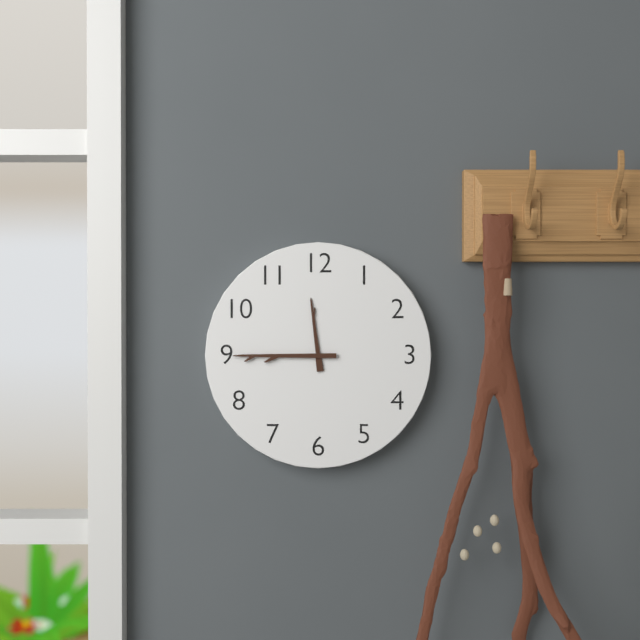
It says 11 h 45 min
